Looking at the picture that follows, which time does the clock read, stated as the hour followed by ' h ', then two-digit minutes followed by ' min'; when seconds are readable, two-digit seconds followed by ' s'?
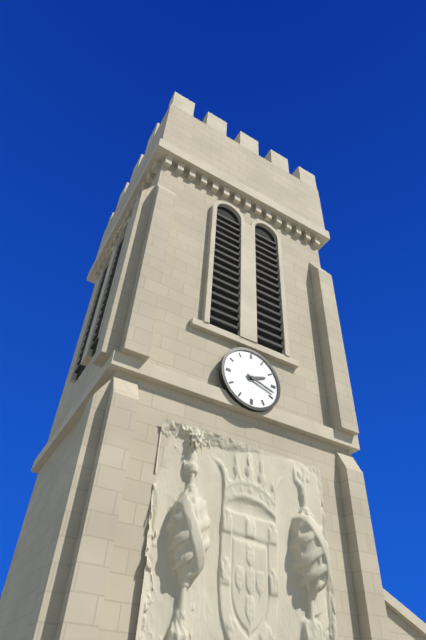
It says 2 h 18 min
